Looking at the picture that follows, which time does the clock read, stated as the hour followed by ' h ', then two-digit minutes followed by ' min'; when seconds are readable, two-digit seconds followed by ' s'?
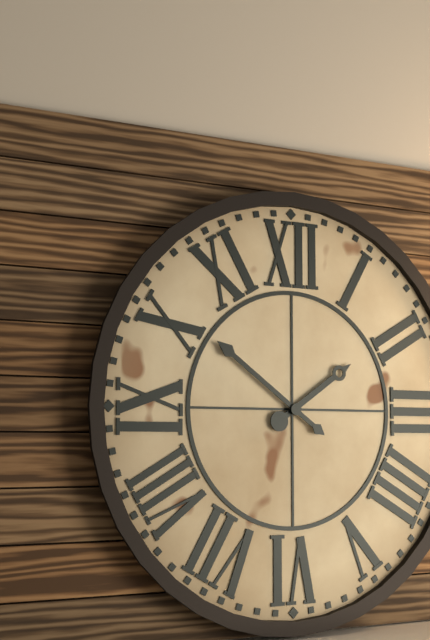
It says 1 h 51 min
